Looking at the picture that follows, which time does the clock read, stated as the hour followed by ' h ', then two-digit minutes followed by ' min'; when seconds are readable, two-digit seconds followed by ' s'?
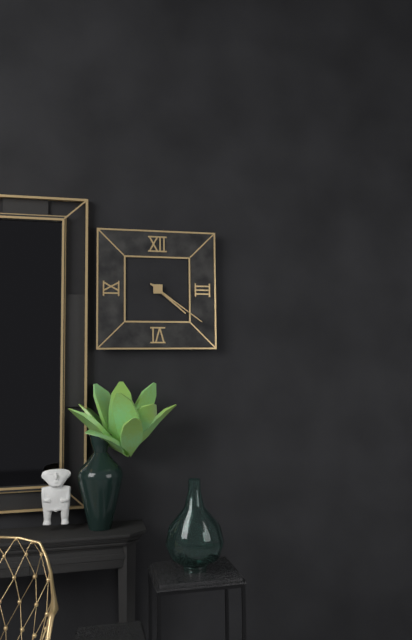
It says 4 h 21 min
